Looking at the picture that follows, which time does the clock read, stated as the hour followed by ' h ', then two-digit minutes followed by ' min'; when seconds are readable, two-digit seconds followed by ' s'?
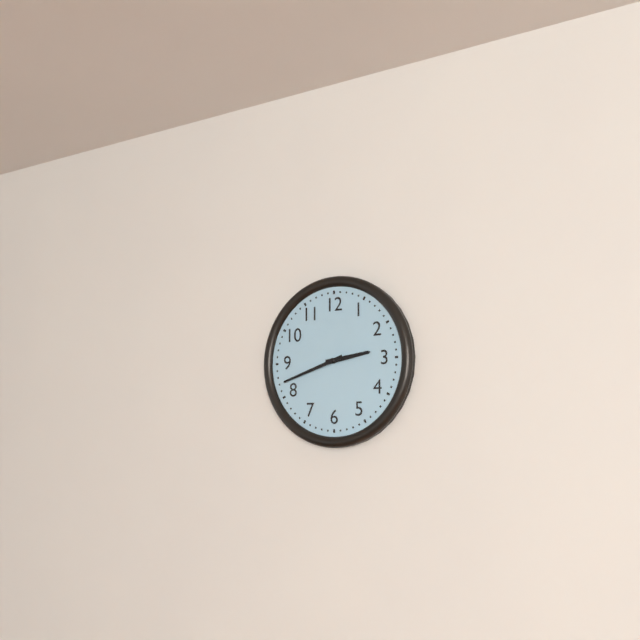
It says 2 h 42 min
